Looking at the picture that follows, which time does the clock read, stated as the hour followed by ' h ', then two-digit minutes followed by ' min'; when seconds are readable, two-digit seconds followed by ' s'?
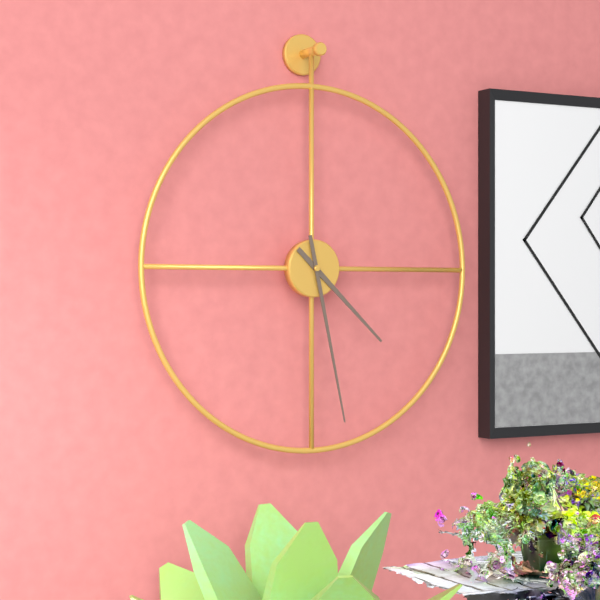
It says 4 h 28 min
